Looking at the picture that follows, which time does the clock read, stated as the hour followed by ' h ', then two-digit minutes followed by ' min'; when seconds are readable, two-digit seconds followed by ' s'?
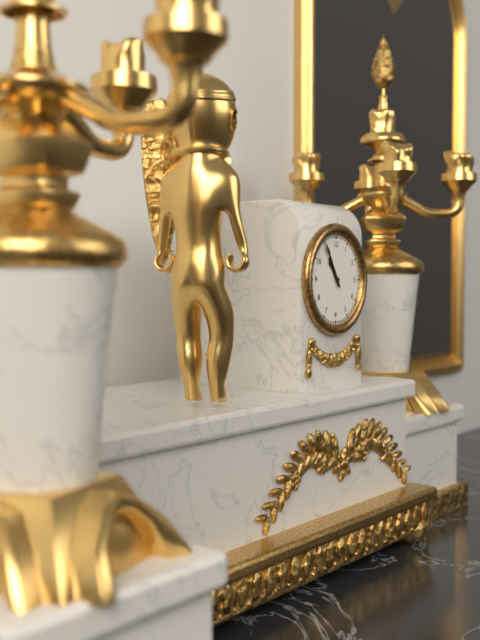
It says 10 h 55 min
